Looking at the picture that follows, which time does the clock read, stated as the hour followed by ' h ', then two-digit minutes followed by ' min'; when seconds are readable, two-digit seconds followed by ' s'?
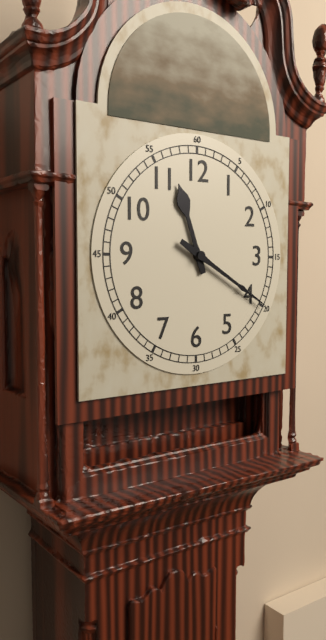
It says 11 h 20 min
